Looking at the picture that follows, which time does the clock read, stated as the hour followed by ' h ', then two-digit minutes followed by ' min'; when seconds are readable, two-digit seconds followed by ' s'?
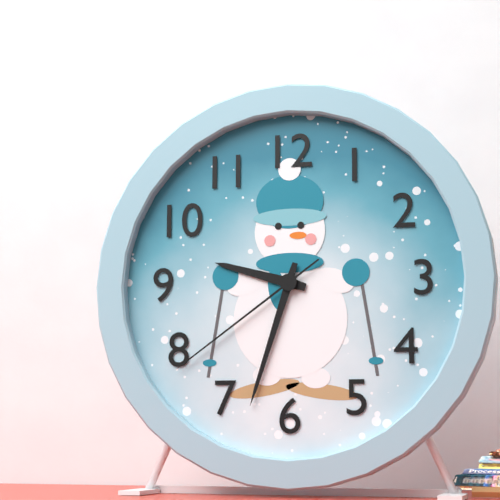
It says 9 h 33 min 39 s
